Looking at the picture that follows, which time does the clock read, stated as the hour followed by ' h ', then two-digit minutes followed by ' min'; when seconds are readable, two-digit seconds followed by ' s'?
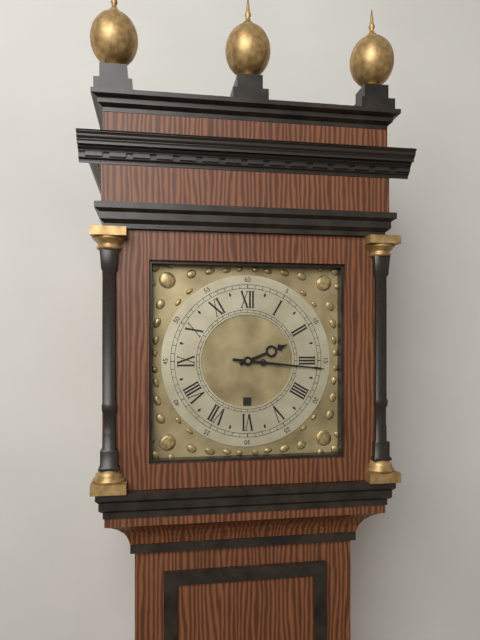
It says 2 h 16 min
